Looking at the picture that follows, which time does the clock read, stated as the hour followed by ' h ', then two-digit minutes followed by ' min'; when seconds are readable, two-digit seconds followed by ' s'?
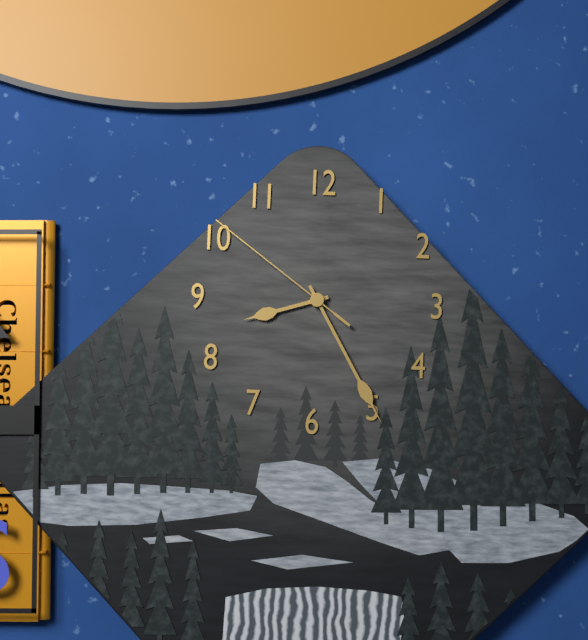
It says 8 h 25 min 51 s
